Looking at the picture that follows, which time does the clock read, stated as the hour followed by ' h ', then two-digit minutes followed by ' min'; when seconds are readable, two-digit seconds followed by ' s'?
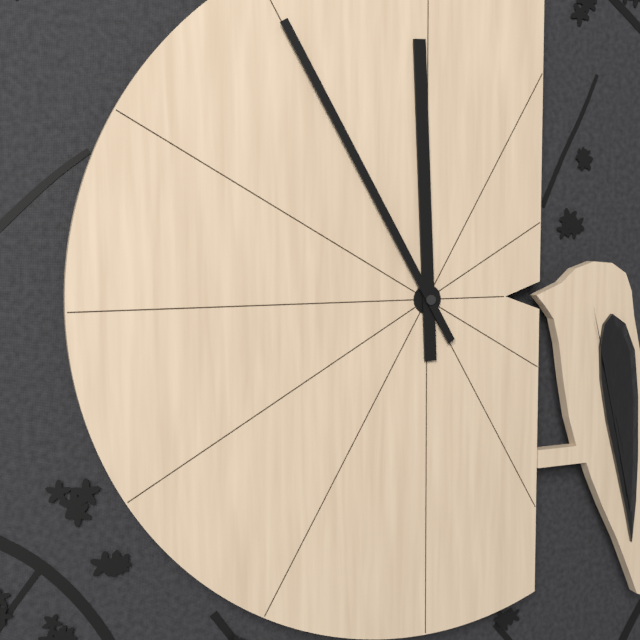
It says 11 h 55 min
